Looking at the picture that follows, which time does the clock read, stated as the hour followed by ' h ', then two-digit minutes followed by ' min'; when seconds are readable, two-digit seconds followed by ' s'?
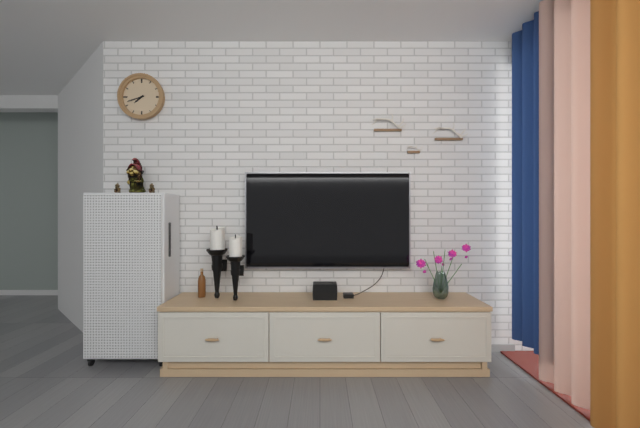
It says 7 h 42 min
